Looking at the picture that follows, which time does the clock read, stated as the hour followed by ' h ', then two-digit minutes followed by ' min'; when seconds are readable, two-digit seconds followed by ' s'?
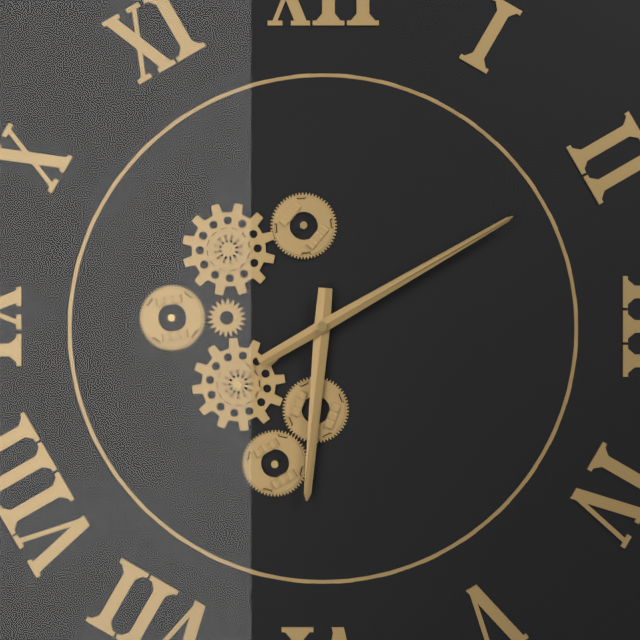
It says 6 h 10 min
